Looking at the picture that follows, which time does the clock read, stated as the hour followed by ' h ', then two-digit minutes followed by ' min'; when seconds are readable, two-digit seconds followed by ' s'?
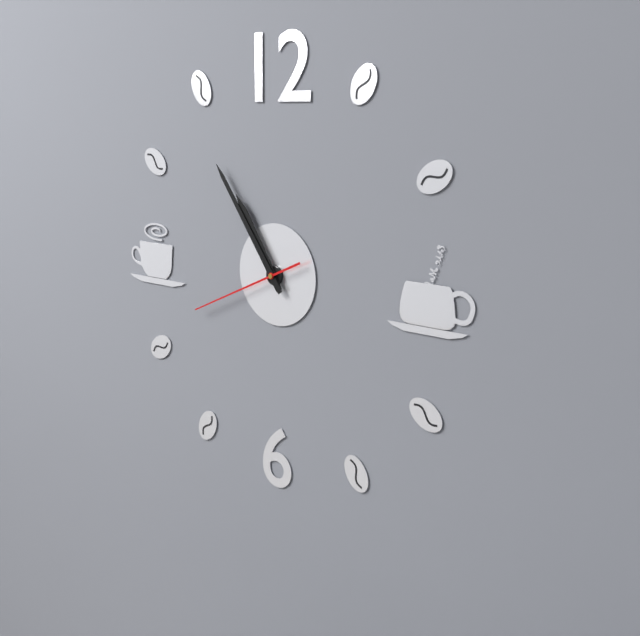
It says 10 h 54 min 41 s
